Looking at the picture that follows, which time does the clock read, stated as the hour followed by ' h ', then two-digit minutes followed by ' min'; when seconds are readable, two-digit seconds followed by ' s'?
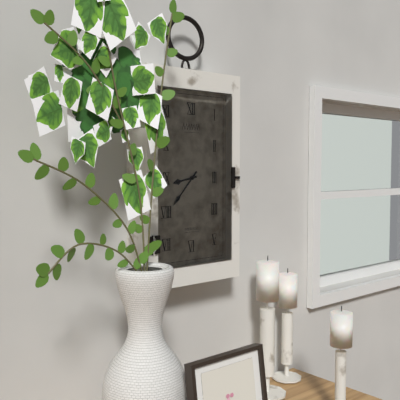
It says 8 h 37 min
